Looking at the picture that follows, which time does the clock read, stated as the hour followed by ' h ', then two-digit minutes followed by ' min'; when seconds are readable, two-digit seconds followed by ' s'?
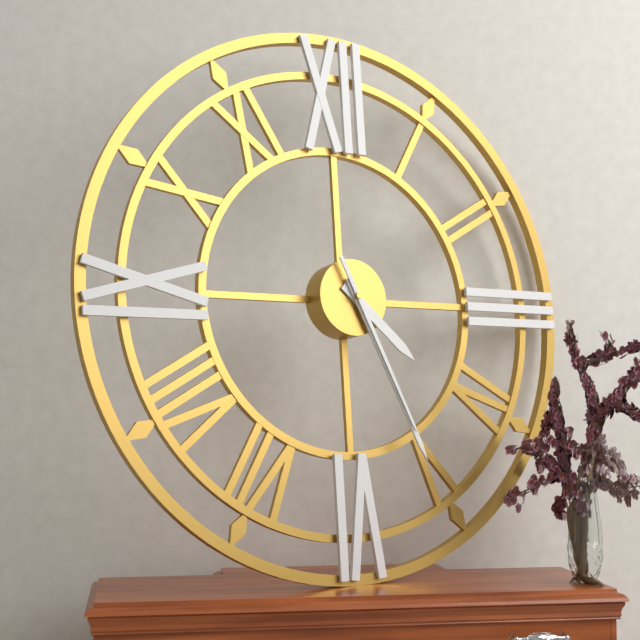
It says 4 h 26 min 26 s
